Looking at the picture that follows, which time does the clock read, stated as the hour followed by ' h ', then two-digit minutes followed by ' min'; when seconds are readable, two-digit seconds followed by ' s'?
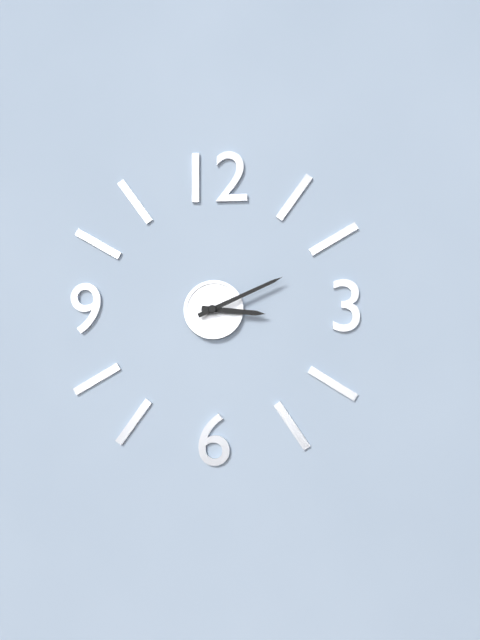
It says 3 h 11 min
